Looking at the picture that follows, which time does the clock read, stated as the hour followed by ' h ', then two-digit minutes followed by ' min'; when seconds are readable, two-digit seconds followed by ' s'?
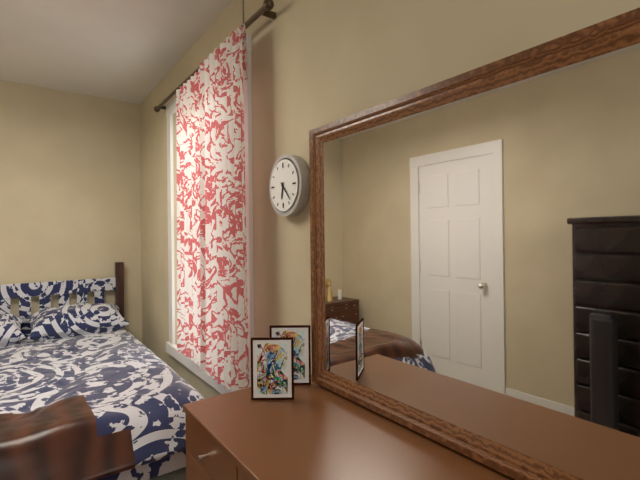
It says 6 h 23 min
